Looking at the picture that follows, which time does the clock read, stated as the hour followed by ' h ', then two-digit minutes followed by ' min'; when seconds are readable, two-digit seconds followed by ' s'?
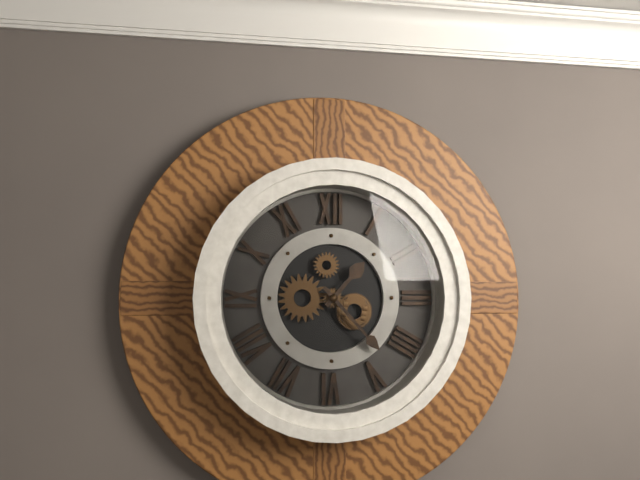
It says 1 h 23 min
